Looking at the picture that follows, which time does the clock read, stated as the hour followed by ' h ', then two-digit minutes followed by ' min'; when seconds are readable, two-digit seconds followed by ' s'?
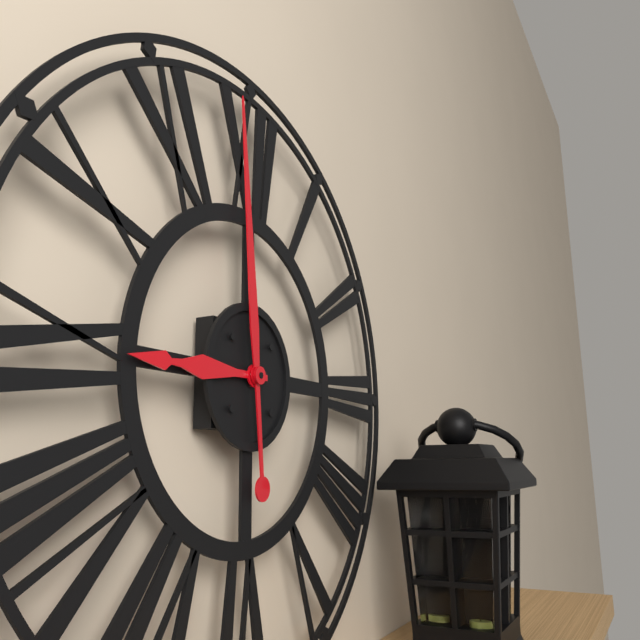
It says 8 h 59 min
